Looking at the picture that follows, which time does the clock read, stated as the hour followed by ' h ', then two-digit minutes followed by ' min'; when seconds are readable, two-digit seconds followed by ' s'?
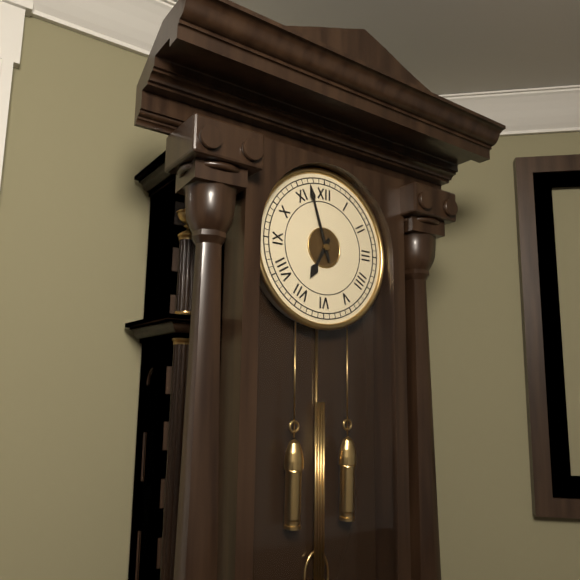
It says 6 h 57 min
